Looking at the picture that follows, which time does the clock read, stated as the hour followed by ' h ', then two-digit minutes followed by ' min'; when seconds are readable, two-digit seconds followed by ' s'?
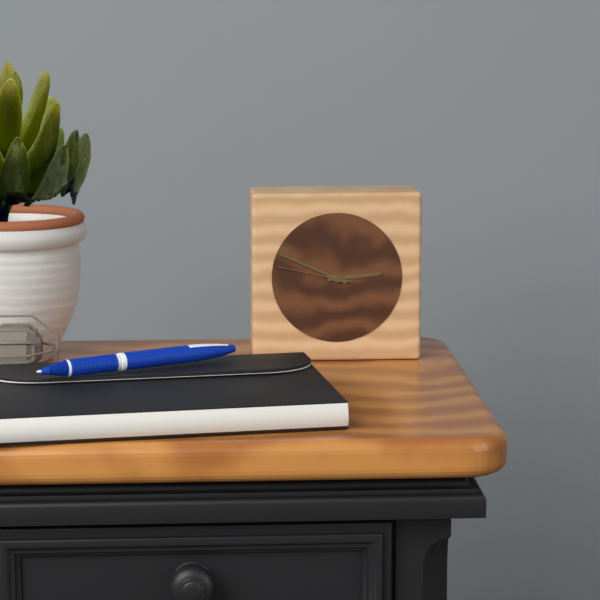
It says 2 h 49 min 47 s
